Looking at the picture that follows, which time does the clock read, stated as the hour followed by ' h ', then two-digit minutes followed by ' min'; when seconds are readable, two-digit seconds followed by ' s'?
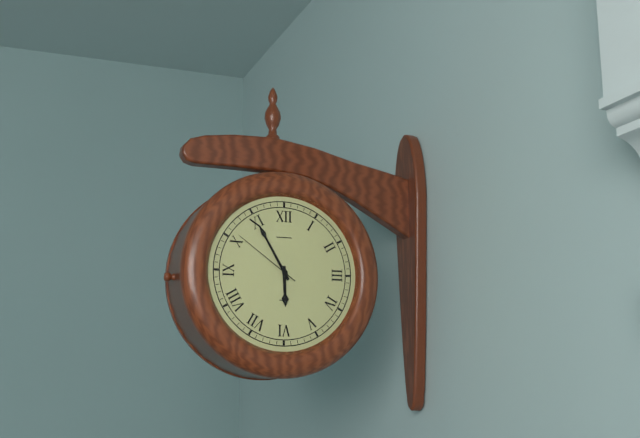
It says 5 h 55 min 51 s
